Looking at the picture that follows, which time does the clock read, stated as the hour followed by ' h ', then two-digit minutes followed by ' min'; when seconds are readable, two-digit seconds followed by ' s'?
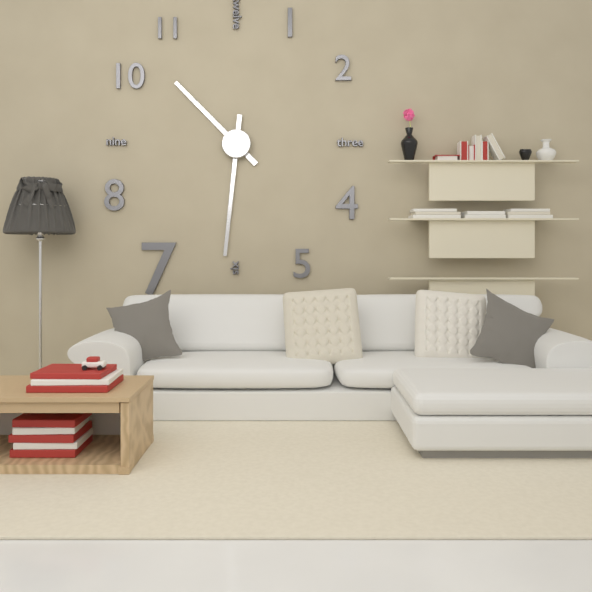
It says 10 h 31 min
